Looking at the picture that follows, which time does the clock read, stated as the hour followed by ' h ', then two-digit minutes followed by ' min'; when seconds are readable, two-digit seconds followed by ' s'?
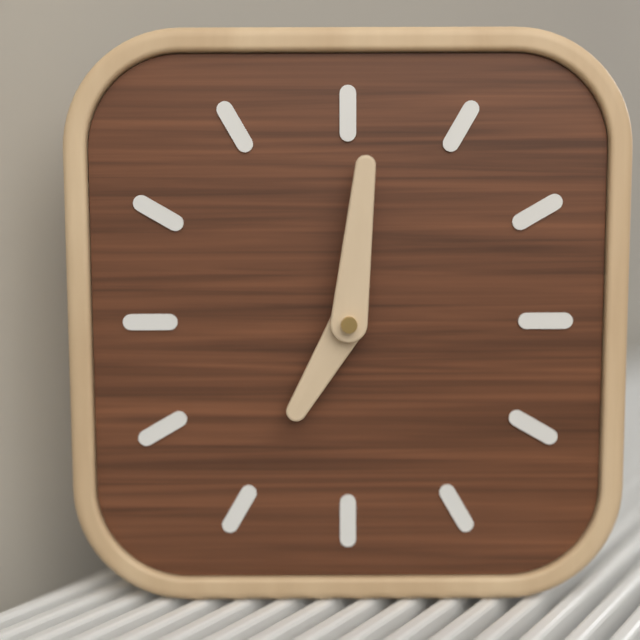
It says 7 h 01 min
